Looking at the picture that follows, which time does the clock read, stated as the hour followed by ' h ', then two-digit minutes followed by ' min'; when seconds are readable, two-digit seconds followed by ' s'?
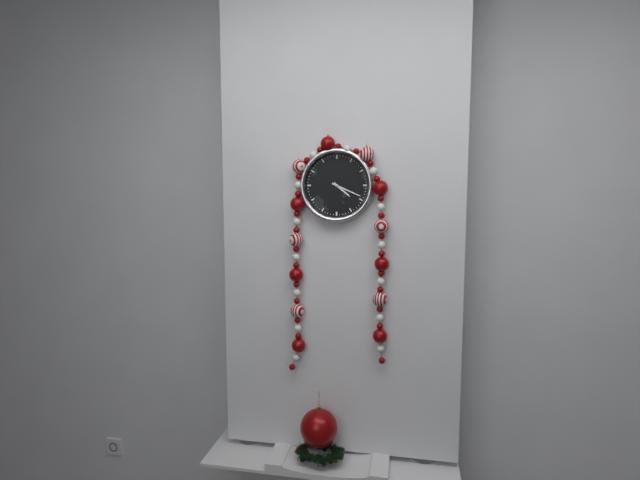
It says 4 h 19 min
